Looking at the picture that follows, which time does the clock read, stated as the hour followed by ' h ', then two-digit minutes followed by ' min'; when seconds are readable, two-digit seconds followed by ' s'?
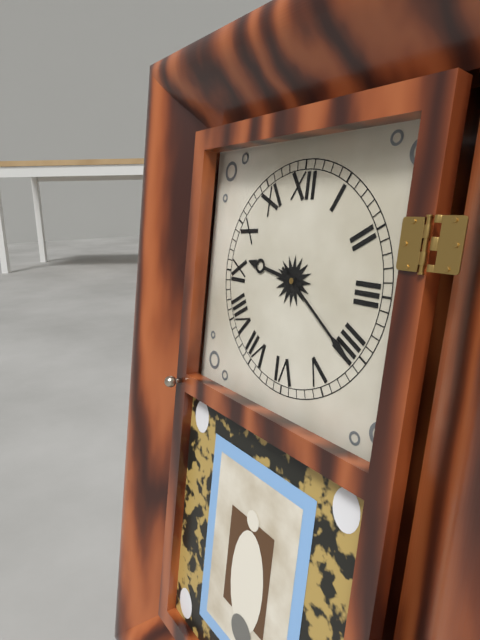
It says 9 h 21 min
